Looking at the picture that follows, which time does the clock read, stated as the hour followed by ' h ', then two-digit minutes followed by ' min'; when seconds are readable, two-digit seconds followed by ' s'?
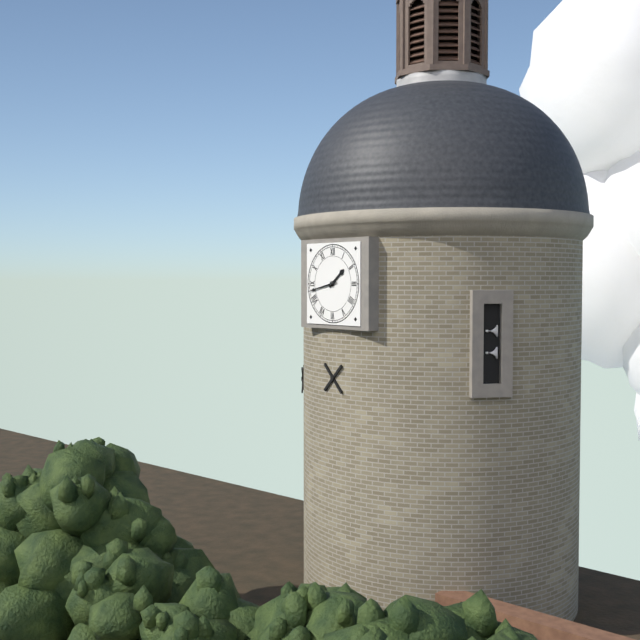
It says 1 h 43 min
